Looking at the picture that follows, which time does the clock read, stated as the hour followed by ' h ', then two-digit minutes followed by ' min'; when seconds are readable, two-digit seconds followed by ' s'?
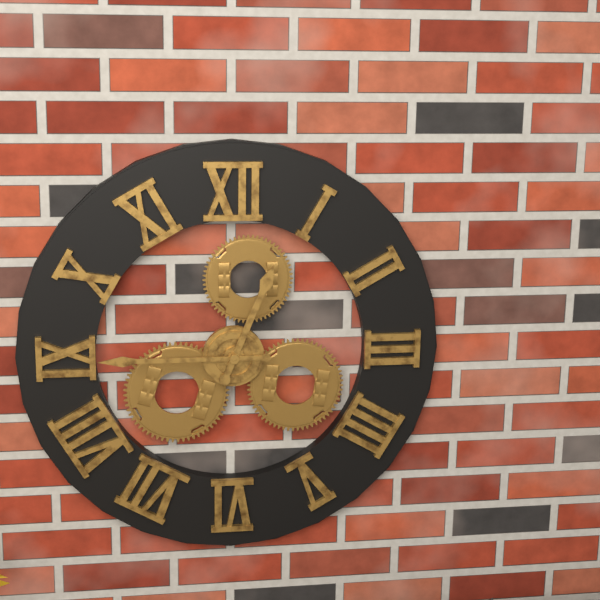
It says 12 h 45 min
